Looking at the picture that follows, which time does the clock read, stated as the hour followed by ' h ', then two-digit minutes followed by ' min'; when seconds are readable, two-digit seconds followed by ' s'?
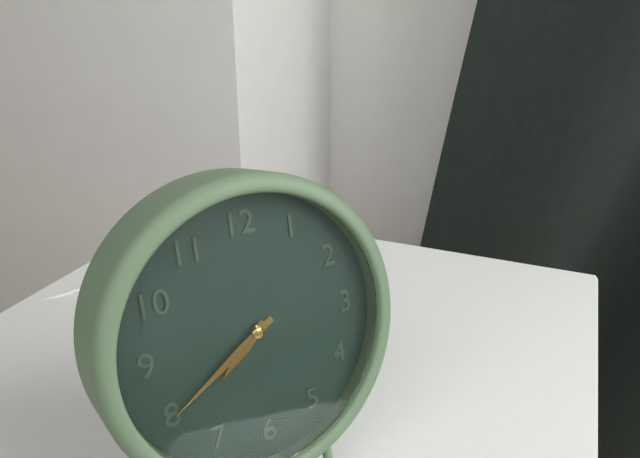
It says 7 h 40 min
